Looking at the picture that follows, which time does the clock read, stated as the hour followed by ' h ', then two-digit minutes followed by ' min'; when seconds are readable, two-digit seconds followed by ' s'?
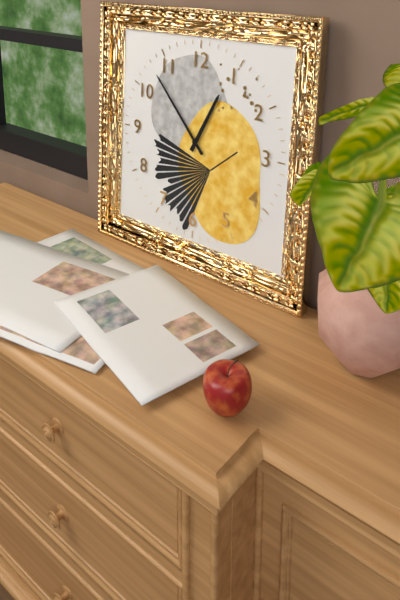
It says 12 h 53 min
